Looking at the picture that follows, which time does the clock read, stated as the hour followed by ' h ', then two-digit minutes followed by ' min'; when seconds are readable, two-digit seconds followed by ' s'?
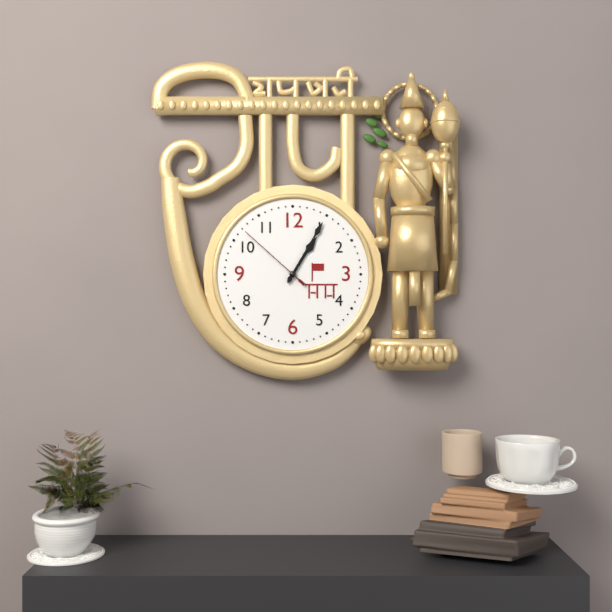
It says 1 h 05 min 52 s
